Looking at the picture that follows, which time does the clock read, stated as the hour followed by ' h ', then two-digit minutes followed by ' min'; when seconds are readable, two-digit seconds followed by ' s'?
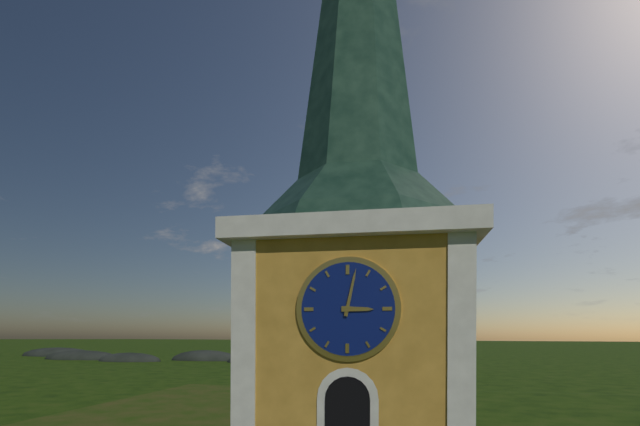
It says 3 h 02 min
